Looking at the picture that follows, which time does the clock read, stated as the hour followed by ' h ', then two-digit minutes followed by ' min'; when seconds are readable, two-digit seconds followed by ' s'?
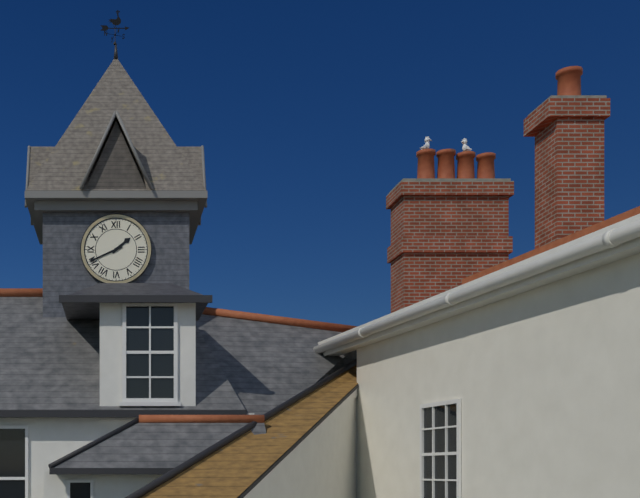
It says 1 h 41 min
